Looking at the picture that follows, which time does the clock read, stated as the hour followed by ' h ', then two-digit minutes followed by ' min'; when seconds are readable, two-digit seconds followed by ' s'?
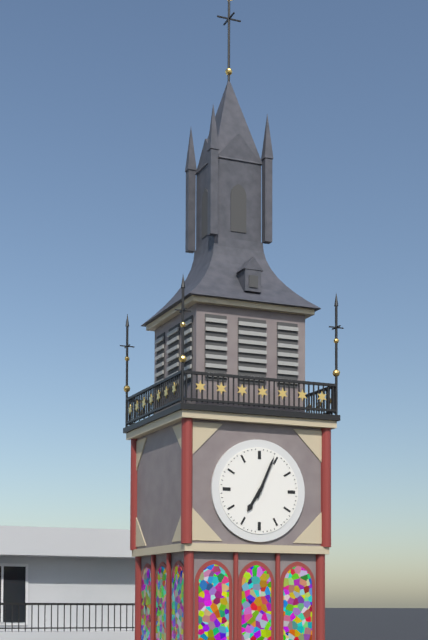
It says 7 h 04 min
